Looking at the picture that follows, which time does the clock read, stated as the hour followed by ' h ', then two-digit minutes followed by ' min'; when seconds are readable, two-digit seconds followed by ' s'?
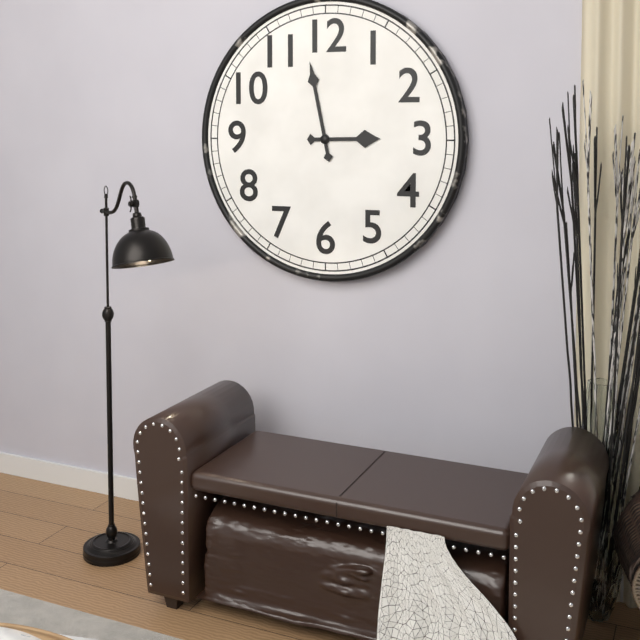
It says 2 h 58 min
